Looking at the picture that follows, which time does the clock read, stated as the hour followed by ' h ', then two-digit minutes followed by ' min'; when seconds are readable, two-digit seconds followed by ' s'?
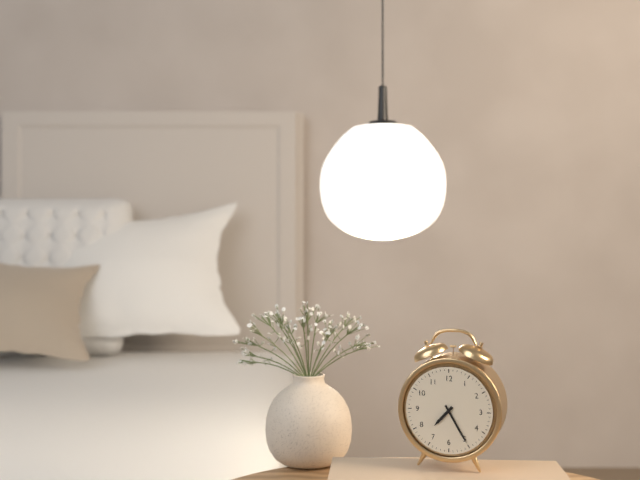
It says 7 h 25 min
